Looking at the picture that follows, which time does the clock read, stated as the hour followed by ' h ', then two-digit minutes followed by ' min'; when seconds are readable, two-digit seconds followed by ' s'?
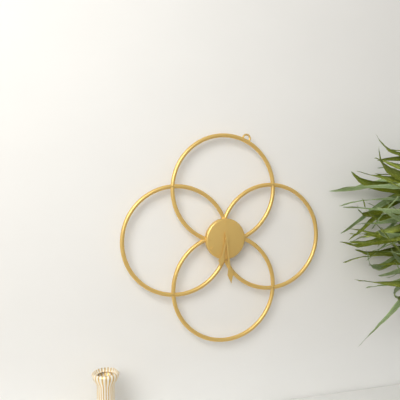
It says 6 h 29 min
